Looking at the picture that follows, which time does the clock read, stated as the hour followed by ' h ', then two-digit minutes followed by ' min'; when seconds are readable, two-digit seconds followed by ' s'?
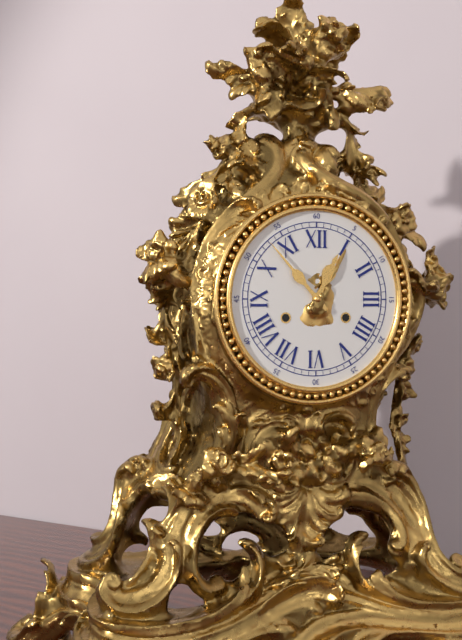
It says 12 h 53 min
